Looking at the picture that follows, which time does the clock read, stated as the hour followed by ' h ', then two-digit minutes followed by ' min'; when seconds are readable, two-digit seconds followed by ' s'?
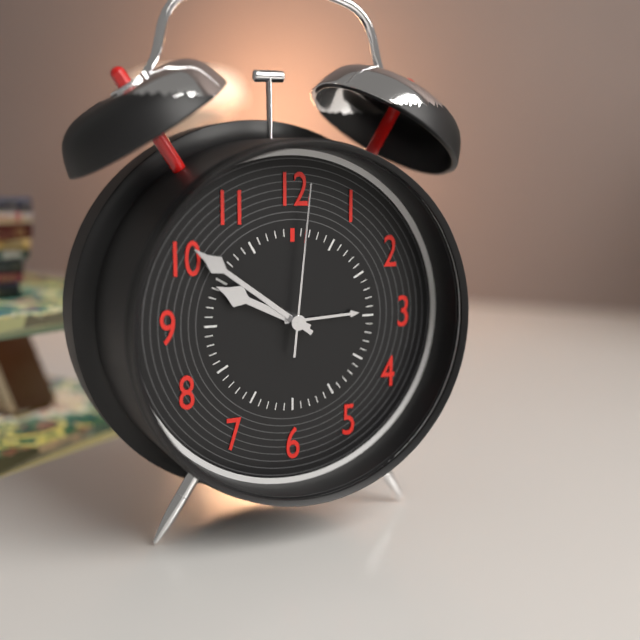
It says 9 h 51 min 01 s
